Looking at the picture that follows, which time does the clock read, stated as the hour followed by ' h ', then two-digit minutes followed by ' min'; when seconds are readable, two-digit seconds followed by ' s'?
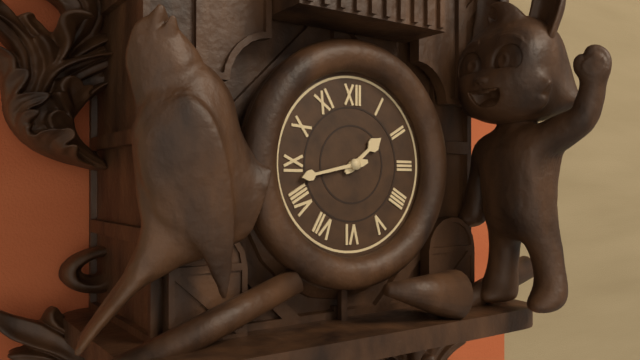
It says 1 h 43 min
